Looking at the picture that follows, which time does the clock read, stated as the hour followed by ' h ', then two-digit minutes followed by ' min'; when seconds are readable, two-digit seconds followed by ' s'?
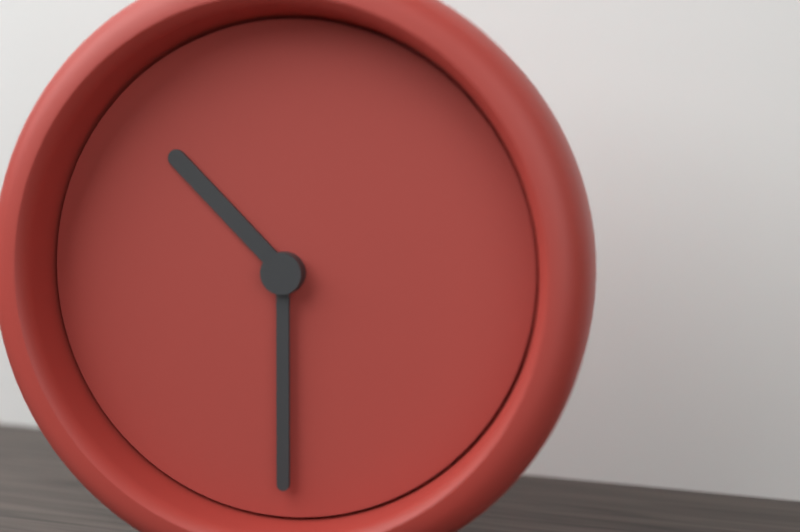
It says 10 h 30 min
